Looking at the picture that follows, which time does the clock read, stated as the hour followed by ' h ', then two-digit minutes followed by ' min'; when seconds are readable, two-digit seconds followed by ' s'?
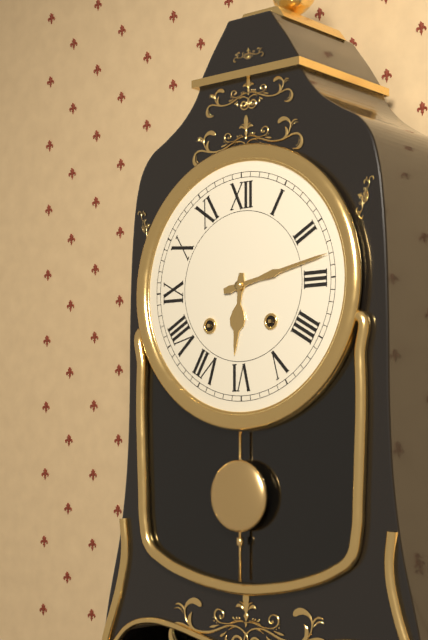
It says 6 h 13 min
